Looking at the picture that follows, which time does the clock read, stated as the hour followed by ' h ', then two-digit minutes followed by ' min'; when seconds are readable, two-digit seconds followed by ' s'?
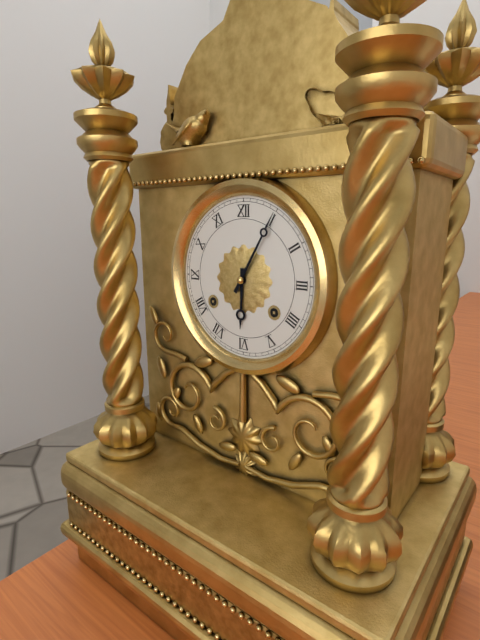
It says 6 h 05 min
